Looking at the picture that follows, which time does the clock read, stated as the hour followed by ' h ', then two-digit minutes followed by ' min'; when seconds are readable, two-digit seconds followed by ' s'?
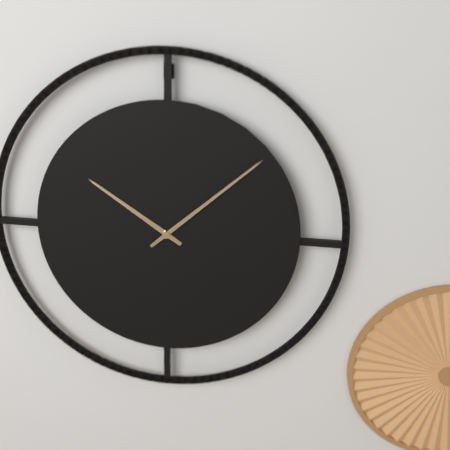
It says 10 h 08 min
